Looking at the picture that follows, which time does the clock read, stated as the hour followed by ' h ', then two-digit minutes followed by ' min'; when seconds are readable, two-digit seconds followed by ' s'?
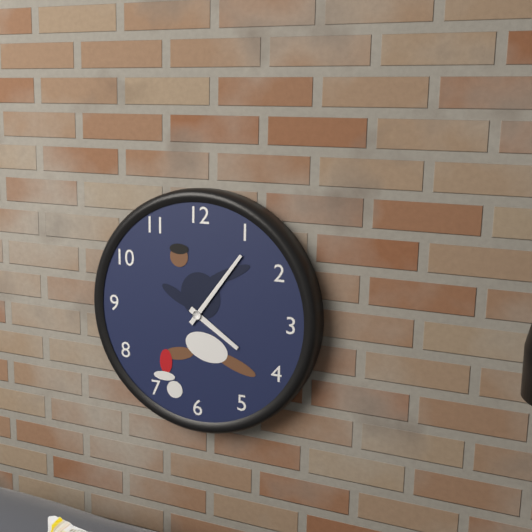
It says 4 h 06 min
